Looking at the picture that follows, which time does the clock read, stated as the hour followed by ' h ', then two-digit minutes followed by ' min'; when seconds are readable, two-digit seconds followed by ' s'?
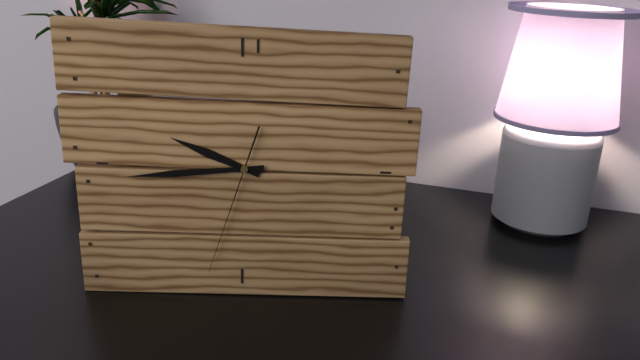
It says 9 h 44 min 33 s
